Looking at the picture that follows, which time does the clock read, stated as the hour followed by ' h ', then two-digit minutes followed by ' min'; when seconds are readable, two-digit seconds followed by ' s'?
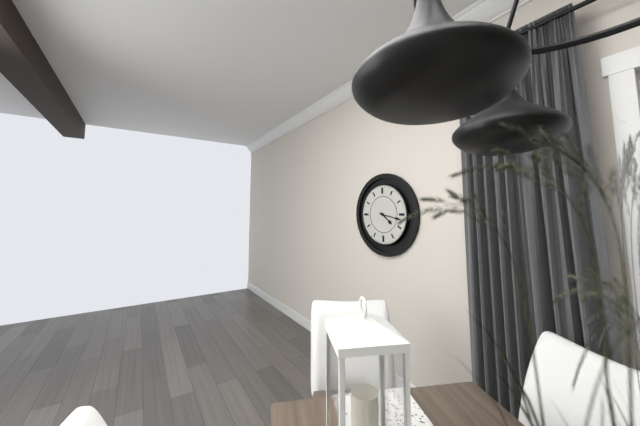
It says 4 h 17 min
